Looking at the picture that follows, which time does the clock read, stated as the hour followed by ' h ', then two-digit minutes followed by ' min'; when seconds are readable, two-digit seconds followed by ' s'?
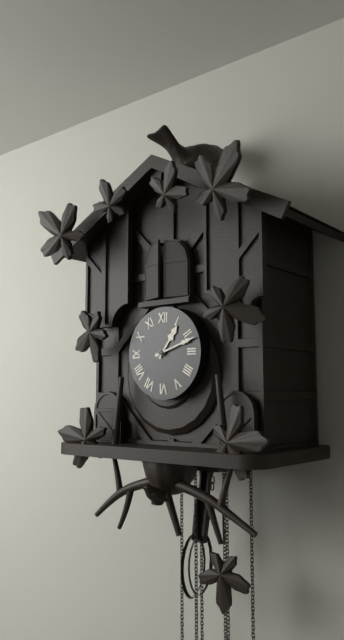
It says 1 h 12 min
